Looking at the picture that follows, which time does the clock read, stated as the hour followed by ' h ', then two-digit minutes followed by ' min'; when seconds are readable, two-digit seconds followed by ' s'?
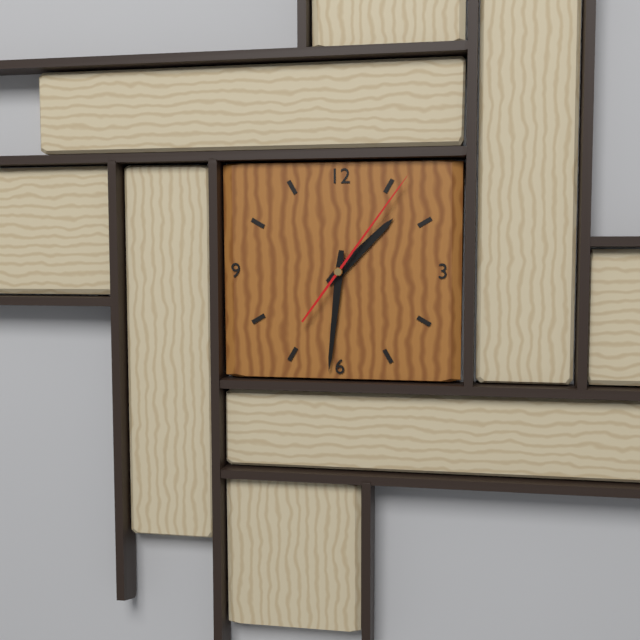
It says 1 h 31 min 06 s
